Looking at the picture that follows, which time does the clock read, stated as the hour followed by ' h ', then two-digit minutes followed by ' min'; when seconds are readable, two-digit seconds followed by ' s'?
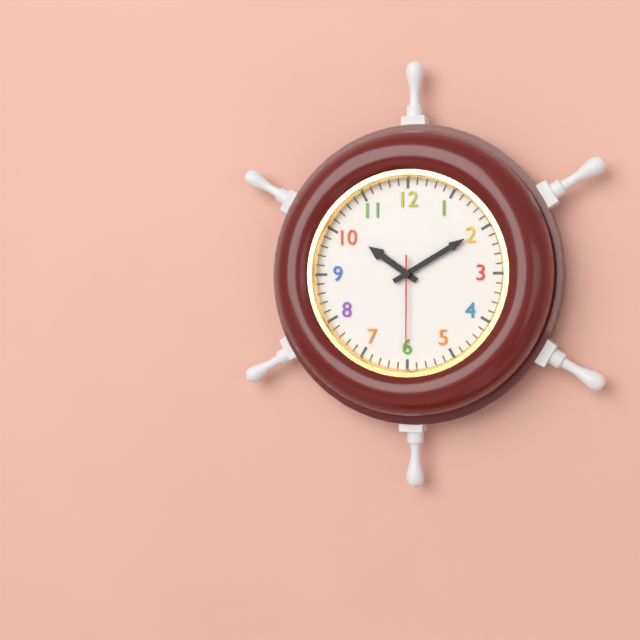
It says 10 h 10 min 30 s
